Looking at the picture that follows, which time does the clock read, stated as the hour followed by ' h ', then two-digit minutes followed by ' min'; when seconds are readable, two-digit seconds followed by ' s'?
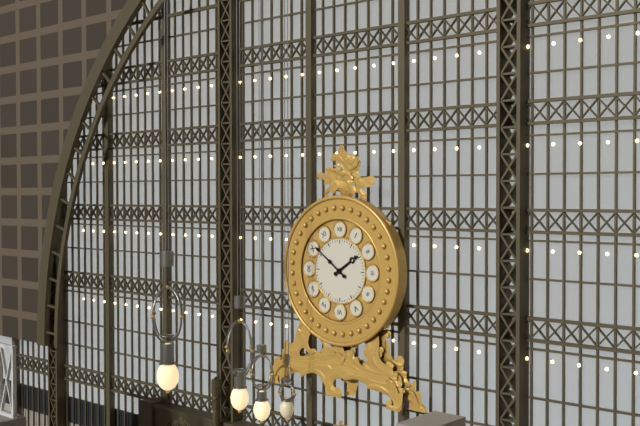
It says 1 h 51 min
